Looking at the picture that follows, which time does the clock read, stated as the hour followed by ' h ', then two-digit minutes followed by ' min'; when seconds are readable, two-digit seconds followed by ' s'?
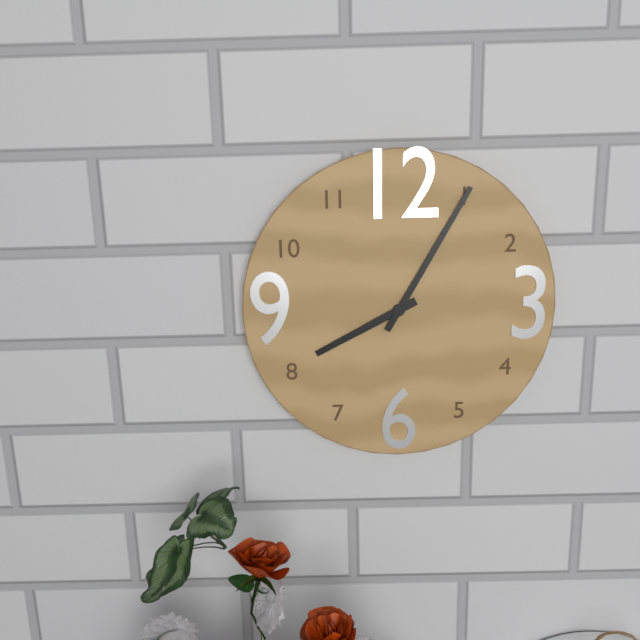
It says 8 h 05 min
